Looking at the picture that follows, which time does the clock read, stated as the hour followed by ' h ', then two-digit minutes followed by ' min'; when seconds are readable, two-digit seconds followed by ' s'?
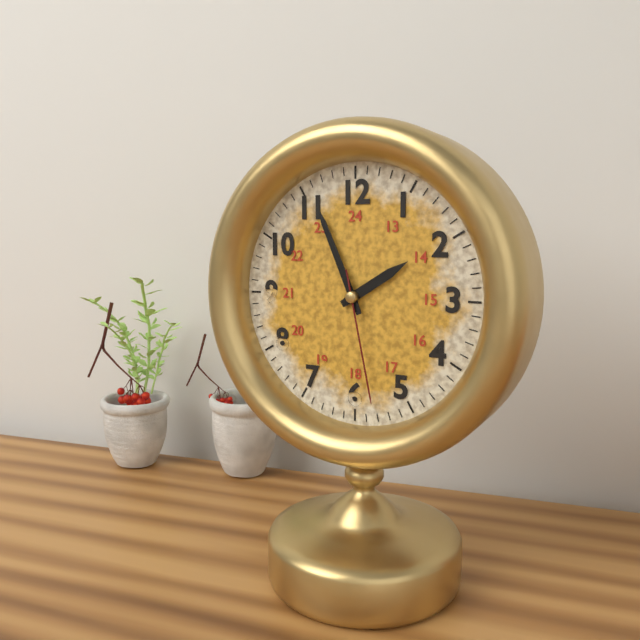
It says 1 h 56 min 28 s
